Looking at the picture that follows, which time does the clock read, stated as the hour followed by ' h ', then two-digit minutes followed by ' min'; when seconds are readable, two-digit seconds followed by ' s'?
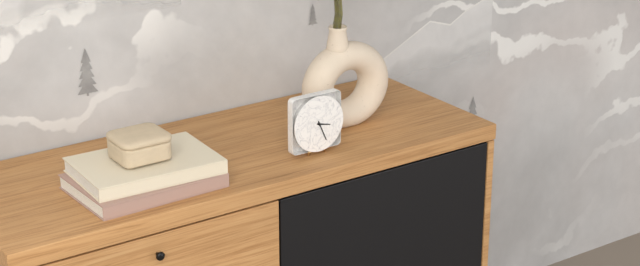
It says 3 h 26 min
